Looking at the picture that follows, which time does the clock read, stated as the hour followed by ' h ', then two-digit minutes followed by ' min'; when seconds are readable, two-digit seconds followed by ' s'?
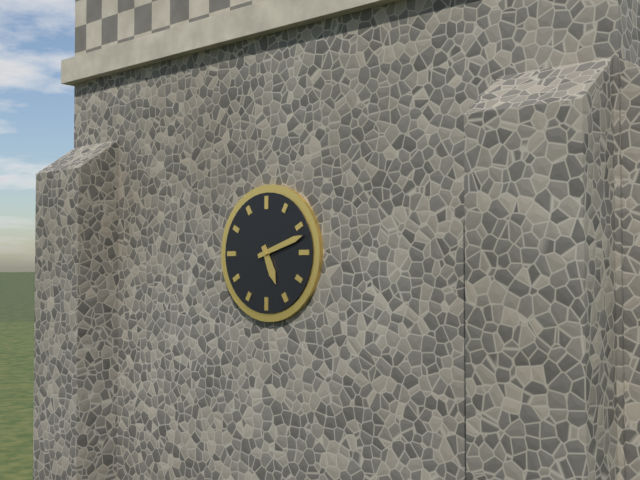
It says 5 h 12 min
